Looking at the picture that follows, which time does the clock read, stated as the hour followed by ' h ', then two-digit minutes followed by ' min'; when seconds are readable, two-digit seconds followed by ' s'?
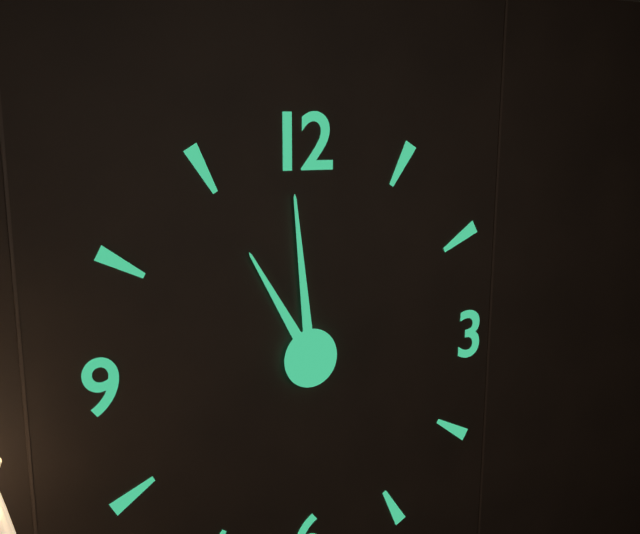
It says 10 h 59 min
